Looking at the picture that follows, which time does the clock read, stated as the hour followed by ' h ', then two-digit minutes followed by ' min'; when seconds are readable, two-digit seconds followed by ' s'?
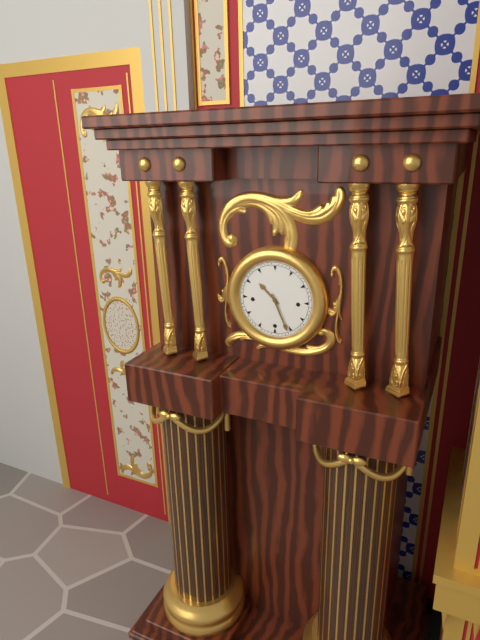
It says 10 h 26 min
